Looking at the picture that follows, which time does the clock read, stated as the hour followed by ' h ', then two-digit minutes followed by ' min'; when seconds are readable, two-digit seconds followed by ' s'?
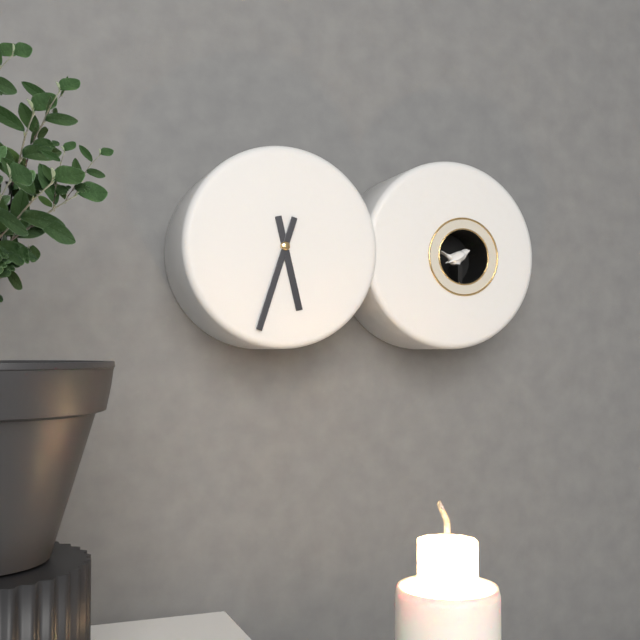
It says 5 h 33 min
